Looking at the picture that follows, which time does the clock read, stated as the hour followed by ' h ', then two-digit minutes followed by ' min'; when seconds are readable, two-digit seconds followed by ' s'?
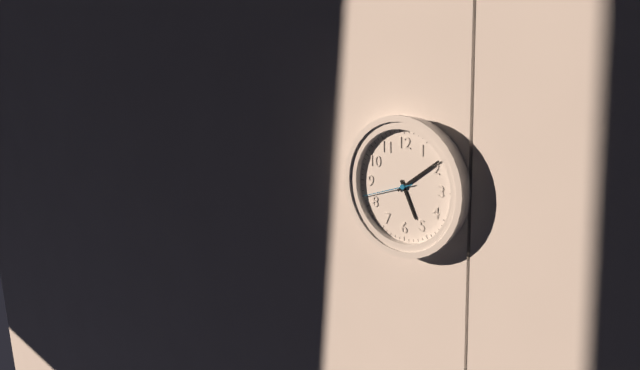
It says 5 h 09 min 42 s
